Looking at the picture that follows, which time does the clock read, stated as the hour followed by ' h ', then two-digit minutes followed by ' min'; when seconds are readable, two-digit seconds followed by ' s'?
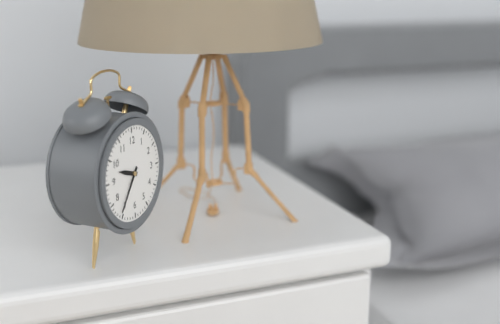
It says 9 h 36 min
